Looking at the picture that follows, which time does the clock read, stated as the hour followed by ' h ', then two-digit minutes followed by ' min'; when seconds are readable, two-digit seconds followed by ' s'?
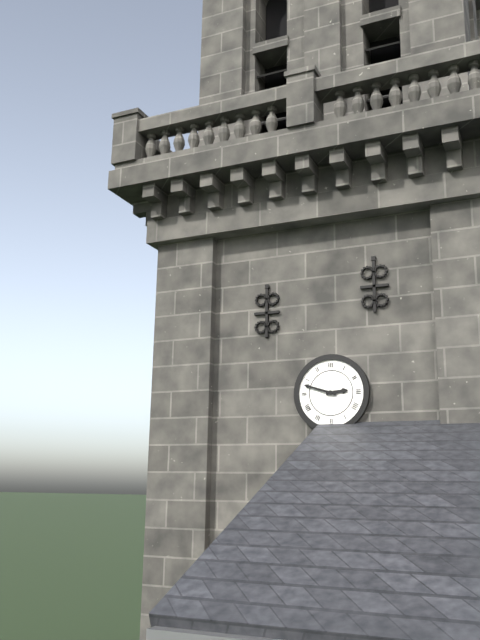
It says 2 h 48 min
